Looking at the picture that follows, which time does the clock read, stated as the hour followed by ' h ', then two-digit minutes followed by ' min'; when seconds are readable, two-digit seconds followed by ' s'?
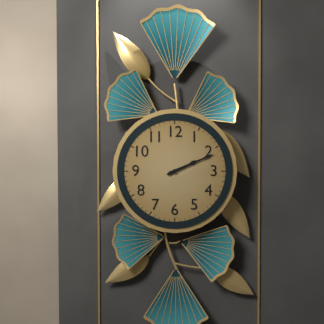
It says 2 h 11 min
